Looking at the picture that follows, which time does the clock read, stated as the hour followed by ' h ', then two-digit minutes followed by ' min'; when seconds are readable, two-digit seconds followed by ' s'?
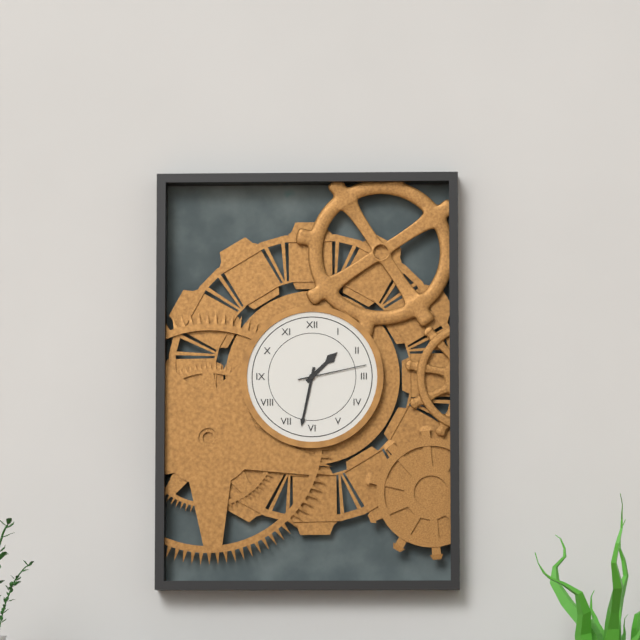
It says 1 h 32 min 13 s
